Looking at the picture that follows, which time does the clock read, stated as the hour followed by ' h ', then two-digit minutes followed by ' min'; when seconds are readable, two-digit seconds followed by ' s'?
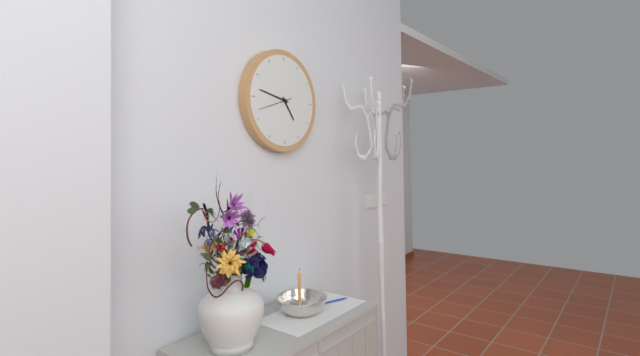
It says 4 h 47 min
